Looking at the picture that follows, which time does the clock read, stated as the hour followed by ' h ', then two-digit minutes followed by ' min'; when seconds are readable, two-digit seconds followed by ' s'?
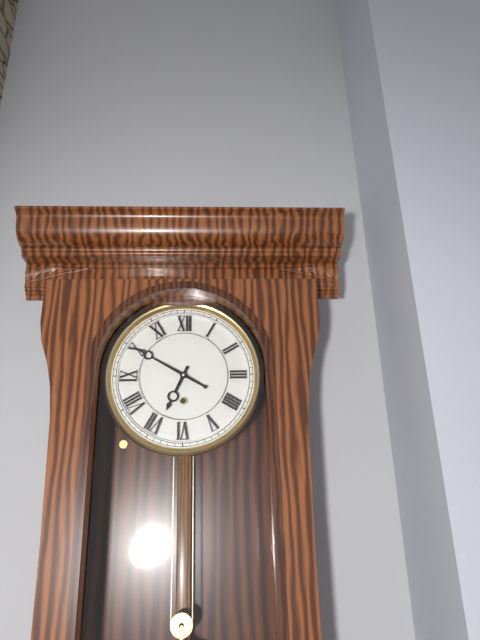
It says 6 h 50 min
